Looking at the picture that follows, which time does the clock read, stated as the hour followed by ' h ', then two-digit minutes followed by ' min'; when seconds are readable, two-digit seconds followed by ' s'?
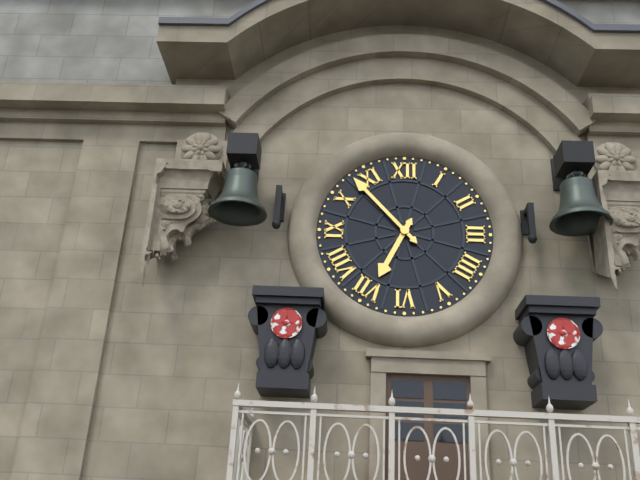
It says 6 h 53 min
